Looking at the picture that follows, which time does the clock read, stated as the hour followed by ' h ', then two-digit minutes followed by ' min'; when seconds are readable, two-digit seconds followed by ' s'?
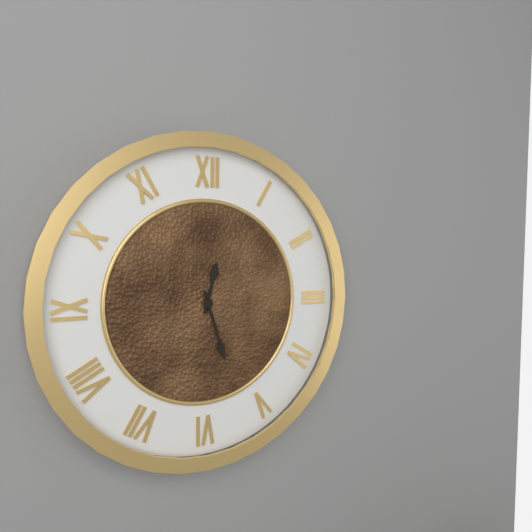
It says 12 h 27 min
